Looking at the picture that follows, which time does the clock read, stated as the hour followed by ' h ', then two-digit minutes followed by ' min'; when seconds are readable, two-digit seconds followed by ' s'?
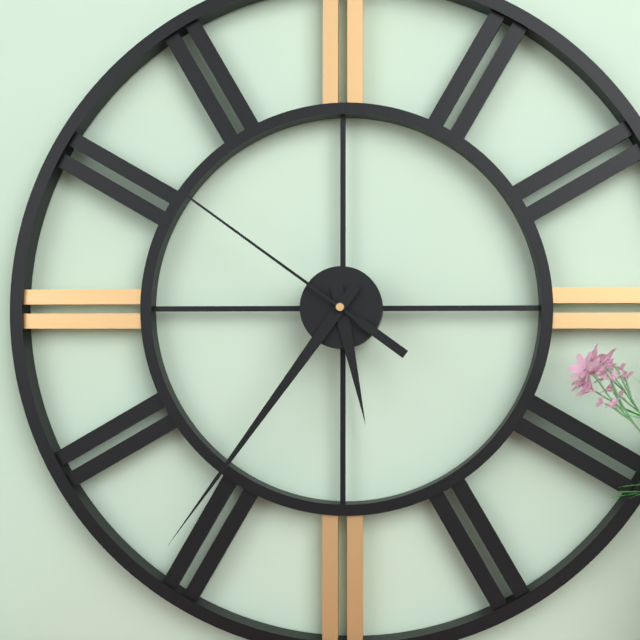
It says 5 h 36 min 51 s
